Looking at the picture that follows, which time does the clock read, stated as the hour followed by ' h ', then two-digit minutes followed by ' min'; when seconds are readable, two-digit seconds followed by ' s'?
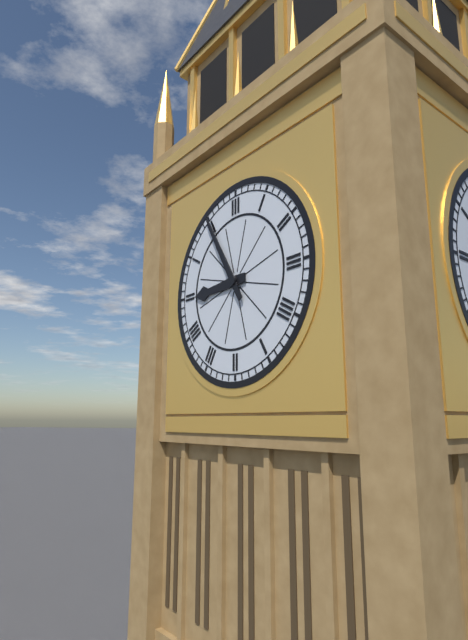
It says 8 h 55 min
